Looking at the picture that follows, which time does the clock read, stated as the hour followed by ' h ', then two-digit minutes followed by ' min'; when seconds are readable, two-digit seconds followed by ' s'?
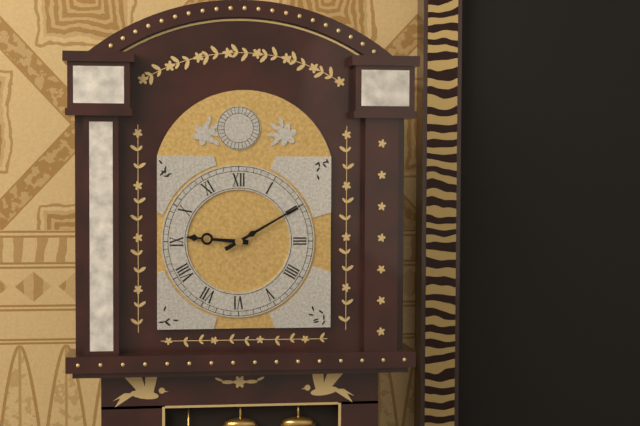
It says 9 h 10 min
